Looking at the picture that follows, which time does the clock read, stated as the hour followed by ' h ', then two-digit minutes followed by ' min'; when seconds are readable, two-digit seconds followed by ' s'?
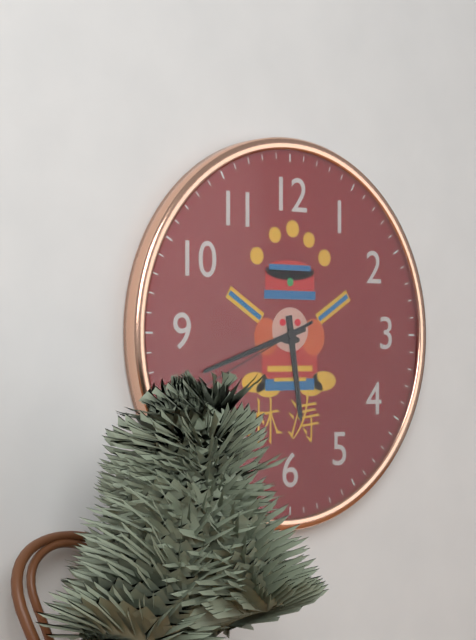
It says 5 h 42 min 41 s
